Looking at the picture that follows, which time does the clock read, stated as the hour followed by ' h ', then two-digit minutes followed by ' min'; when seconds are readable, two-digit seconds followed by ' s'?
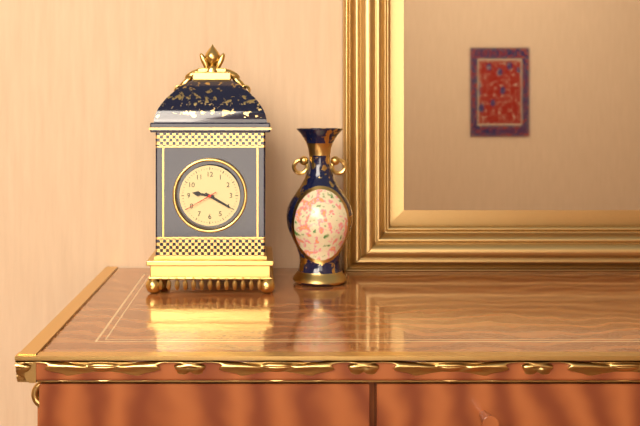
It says 9 h 20 min
